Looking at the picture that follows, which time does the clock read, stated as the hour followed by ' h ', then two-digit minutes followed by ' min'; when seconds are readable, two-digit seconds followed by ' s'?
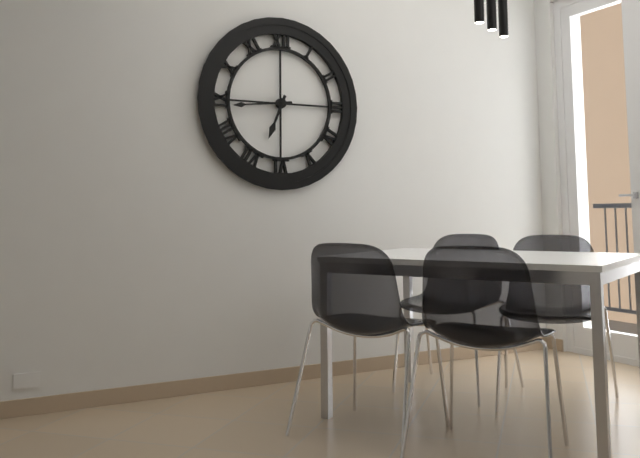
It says 6 h 44 min
